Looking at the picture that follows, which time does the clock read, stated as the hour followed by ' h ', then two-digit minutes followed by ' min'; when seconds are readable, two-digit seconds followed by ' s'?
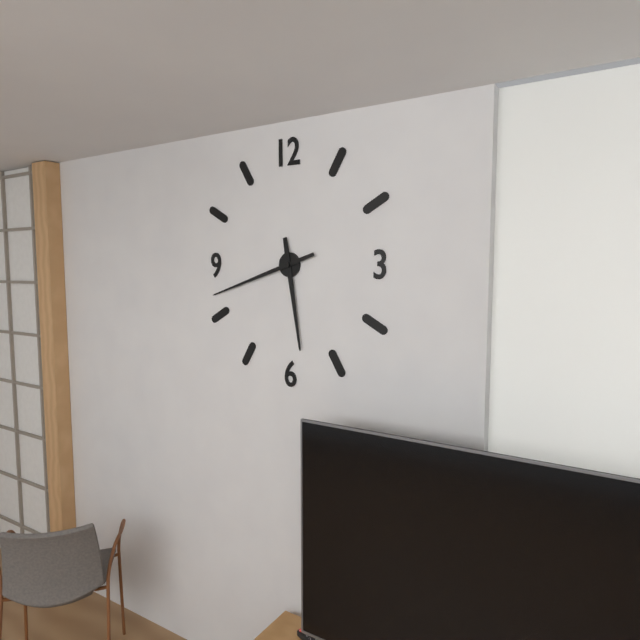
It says 5 h 42 min
